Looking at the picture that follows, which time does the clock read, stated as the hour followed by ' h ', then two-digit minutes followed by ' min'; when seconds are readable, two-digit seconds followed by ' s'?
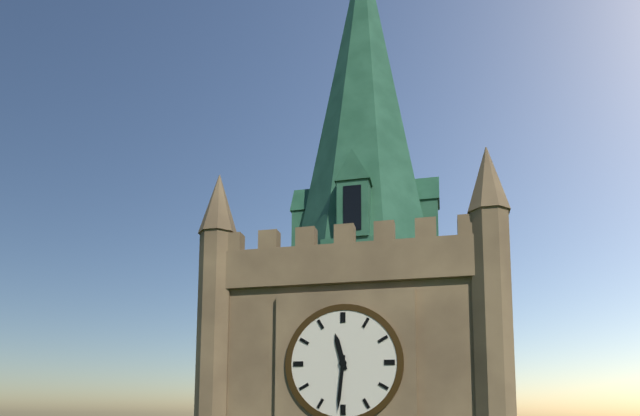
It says 11 h 31 min
